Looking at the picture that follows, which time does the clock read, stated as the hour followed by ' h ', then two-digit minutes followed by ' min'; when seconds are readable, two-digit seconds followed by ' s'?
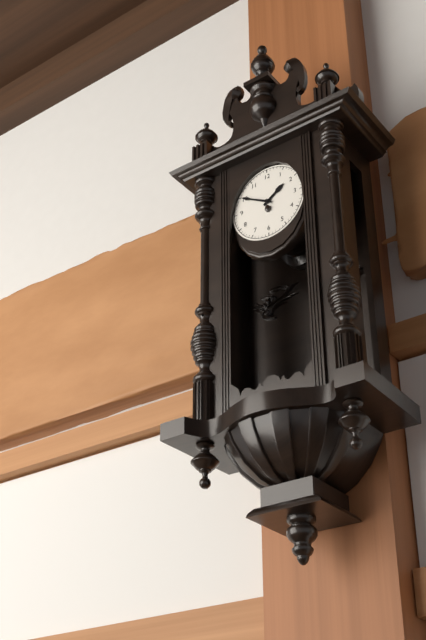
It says 1 h 50 min
